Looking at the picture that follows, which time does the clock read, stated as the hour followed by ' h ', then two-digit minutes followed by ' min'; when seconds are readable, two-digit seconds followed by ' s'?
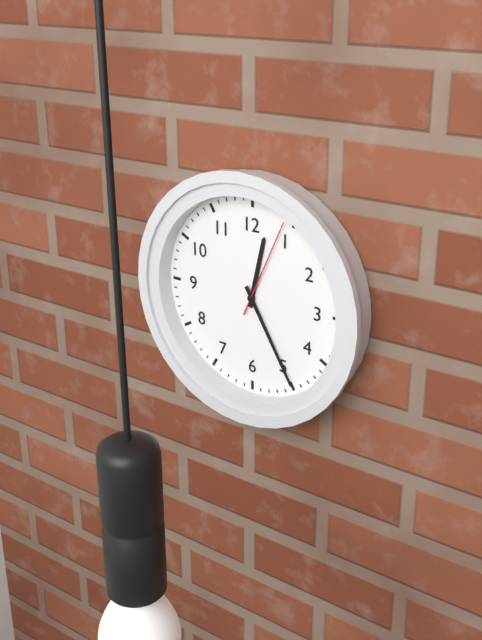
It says 12 h 25 min 04 s
